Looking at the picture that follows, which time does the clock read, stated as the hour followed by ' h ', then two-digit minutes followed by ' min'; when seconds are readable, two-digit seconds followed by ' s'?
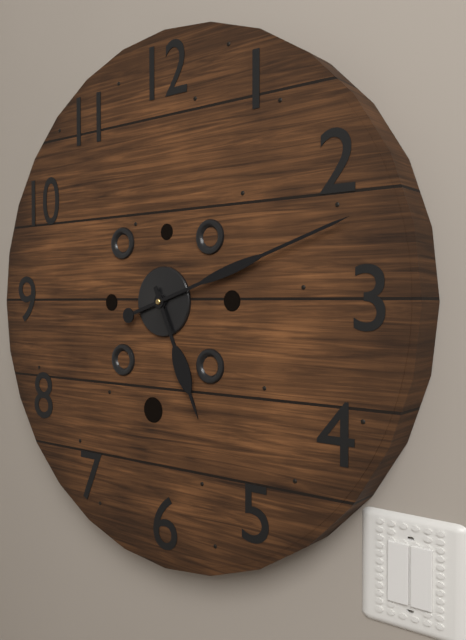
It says 5 h 12 min
